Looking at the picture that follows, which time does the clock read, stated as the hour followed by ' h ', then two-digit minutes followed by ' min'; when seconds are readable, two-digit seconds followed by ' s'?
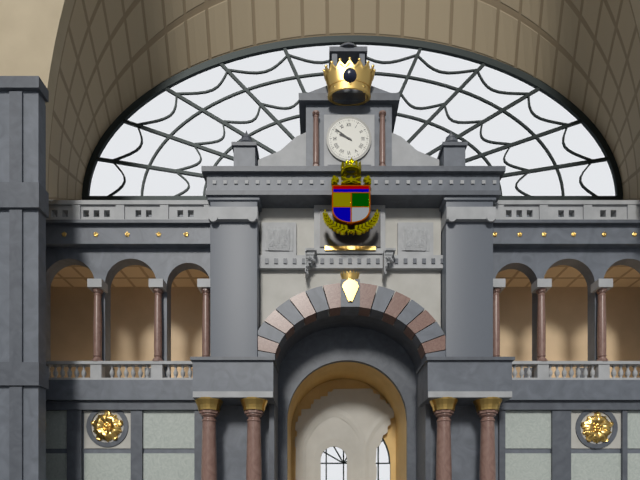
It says 9 h 51 min
